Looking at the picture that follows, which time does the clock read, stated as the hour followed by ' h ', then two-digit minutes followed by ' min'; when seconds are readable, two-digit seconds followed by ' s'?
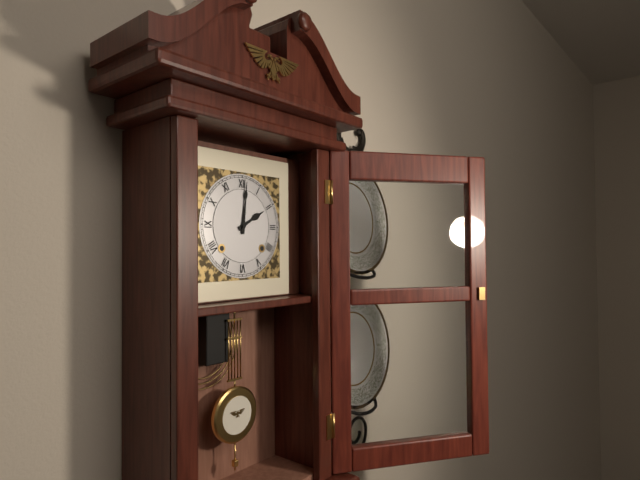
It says 2 h 01 min
